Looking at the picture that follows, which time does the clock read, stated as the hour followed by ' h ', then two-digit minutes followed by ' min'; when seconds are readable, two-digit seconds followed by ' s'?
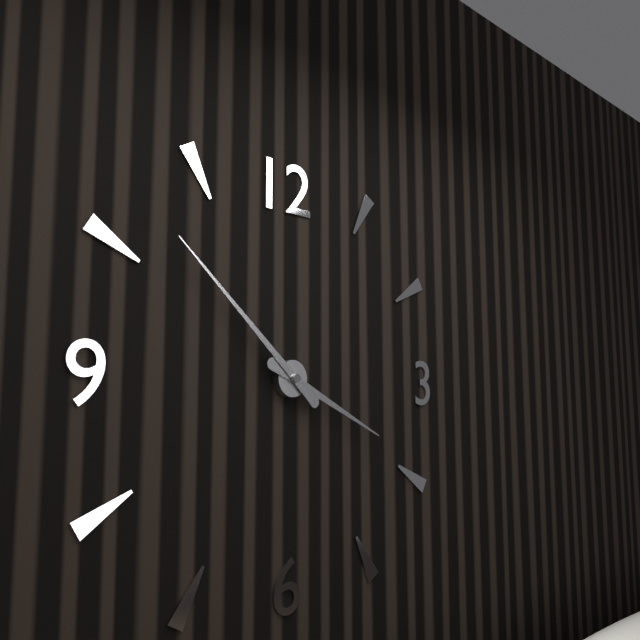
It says 3 h 52 min
